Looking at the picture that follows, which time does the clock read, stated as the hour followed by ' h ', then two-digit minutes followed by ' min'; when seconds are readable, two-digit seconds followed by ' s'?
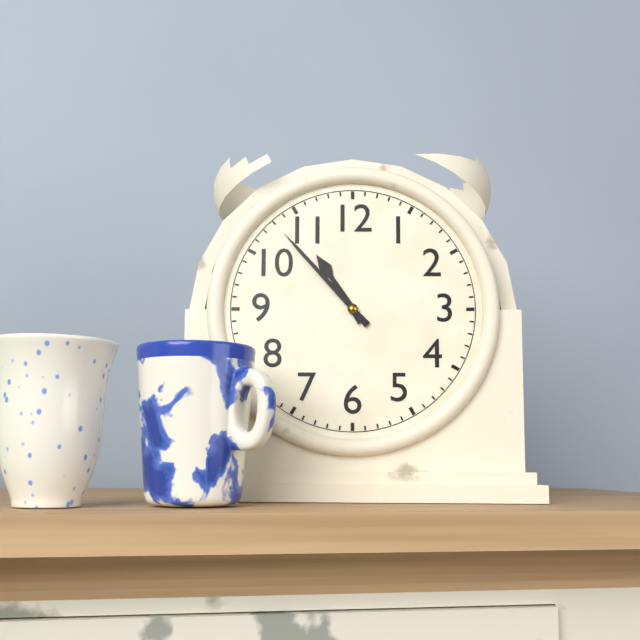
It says 10 h 53 min
